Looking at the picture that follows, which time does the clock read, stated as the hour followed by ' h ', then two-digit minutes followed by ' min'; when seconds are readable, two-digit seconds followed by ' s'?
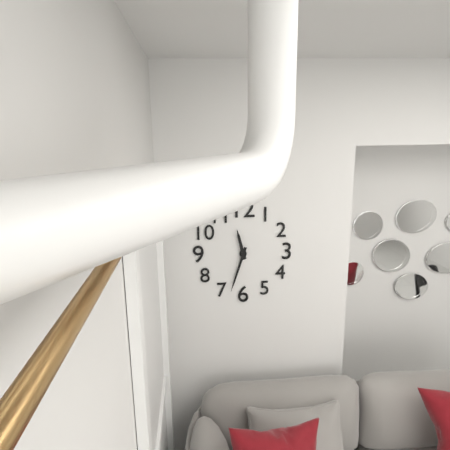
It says 11 h 33 min
